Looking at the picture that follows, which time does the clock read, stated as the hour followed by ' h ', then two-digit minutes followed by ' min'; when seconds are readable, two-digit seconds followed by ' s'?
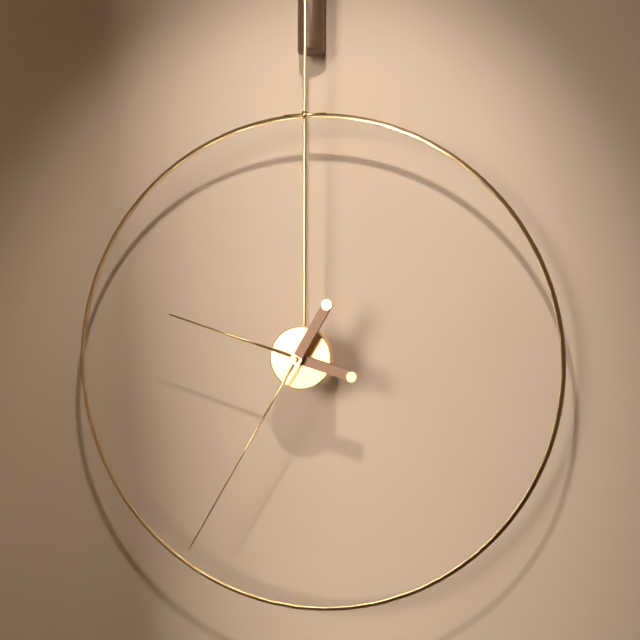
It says 9 h 35 min
